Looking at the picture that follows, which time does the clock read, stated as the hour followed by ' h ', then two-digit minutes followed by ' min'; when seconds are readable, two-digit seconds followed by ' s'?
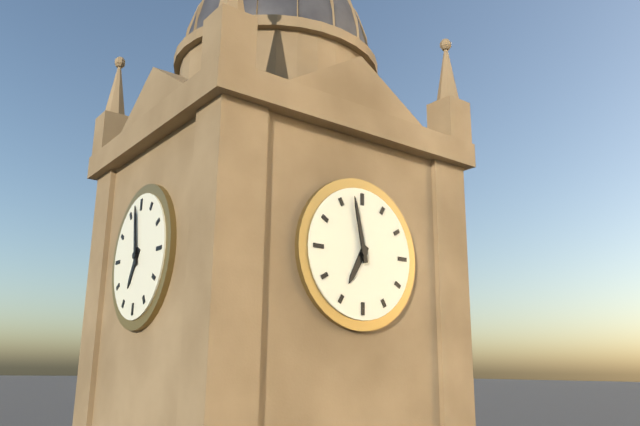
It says 6 h 58 min
